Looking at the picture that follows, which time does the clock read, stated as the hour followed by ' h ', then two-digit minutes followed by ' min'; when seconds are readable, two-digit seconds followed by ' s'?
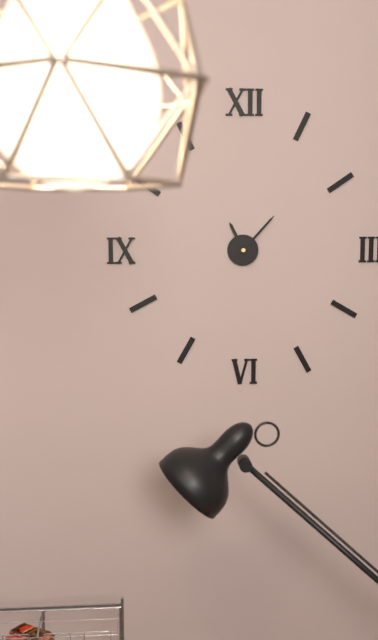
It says 11 h 07 min
